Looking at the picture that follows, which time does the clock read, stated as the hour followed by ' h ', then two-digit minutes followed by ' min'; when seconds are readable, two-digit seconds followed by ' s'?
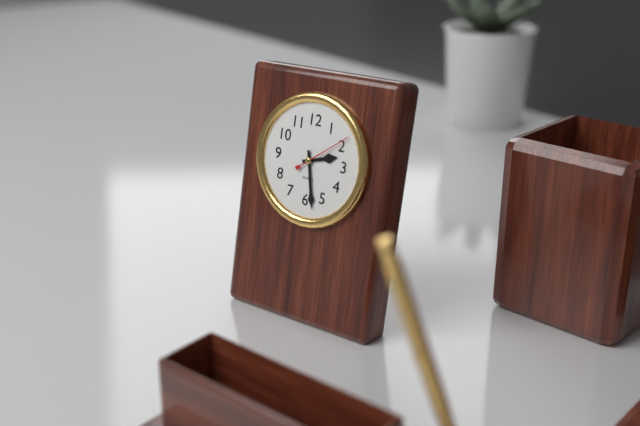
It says 2 h 28 min 09 s
